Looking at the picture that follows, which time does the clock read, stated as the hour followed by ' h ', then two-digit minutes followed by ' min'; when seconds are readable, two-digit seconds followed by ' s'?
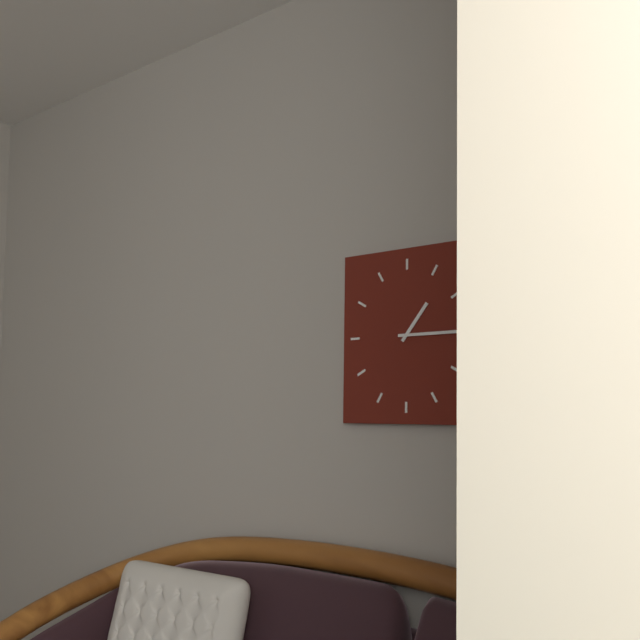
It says 1 h 15 min
